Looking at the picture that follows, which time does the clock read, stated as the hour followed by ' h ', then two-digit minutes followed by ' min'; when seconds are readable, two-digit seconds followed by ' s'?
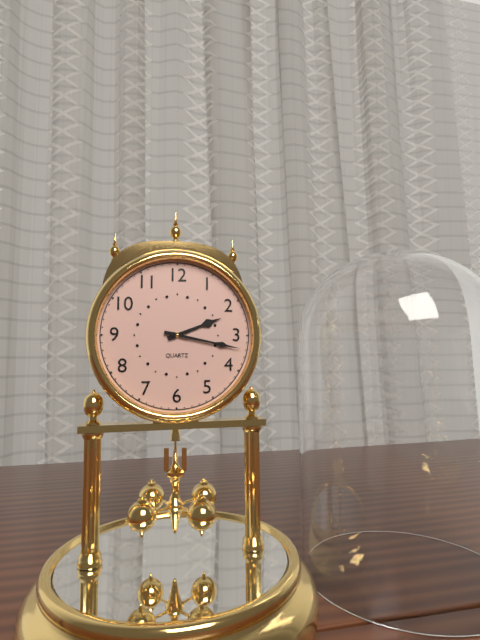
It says 2 h 17 min
